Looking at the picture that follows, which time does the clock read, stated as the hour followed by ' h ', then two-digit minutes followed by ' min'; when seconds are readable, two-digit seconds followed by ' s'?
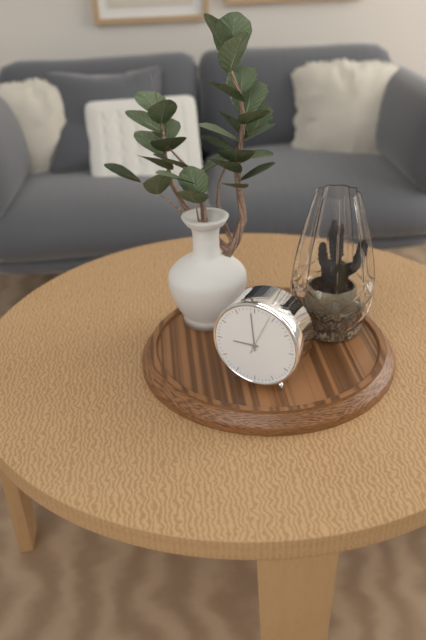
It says 8 h 59 min
